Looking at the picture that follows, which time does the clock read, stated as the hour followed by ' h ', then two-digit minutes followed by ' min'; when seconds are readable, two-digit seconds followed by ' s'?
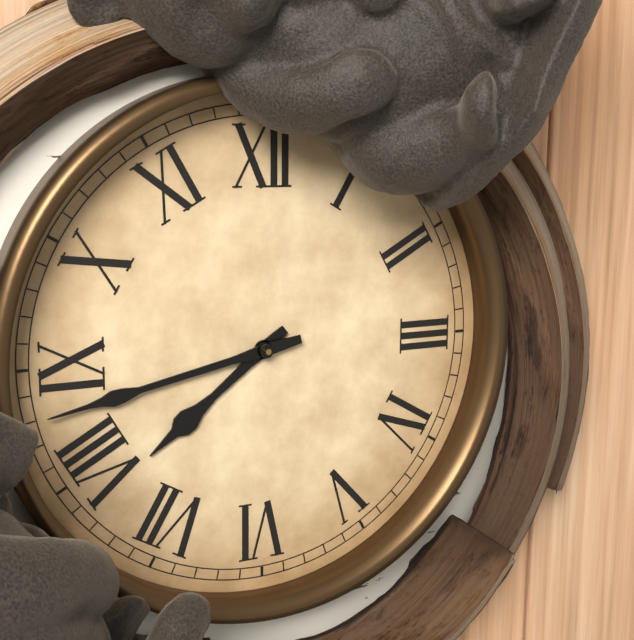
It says 7 h 43 min
